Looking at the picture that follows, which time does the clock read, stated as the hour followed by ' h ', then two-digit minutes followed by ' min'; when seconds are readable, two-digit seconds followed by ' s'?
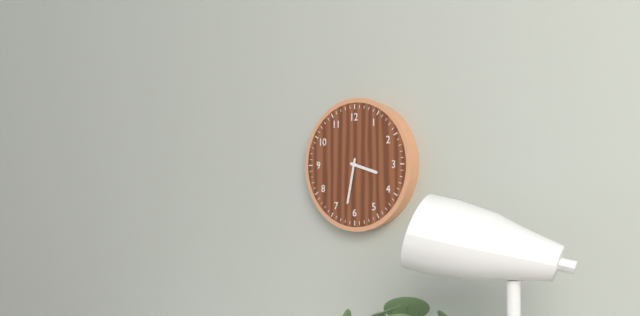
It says 3 h 32 min
